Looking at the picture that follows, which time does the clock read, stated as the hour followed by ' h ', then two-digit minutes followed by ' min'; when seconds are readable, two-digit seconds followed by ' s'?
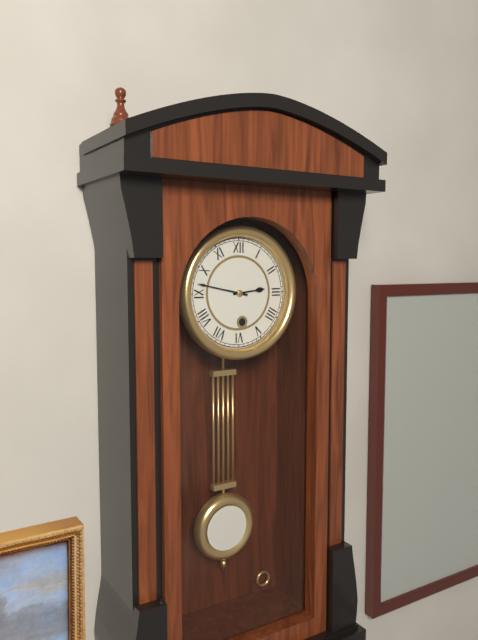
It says 2 h 47 min
